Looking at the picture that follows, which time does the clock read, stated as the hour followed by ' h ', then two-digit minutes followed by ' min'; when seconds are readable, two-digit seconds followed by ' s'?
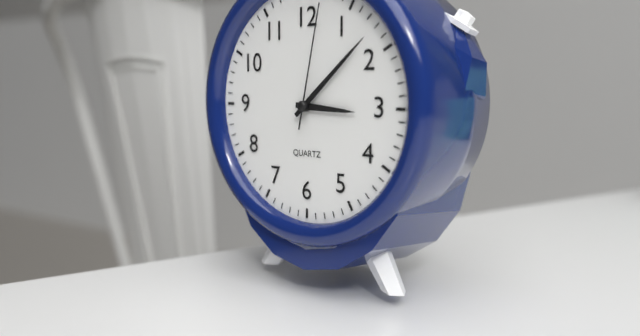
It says 3 h 08 min 02 s
